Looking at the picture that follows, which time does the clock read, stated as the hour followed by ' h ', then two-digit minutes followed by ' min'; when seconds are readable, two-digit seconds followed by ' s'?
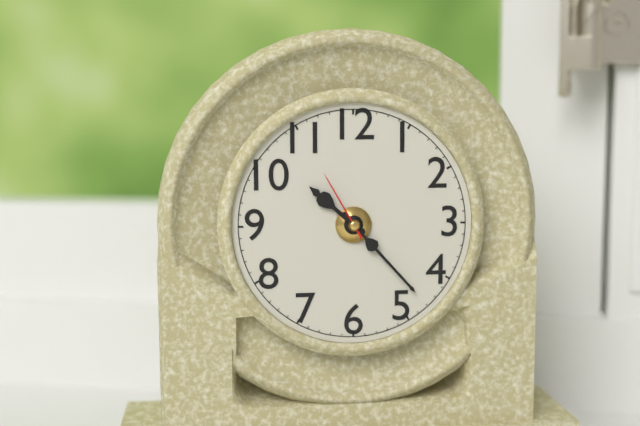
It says 10 h 23 min 55 s
